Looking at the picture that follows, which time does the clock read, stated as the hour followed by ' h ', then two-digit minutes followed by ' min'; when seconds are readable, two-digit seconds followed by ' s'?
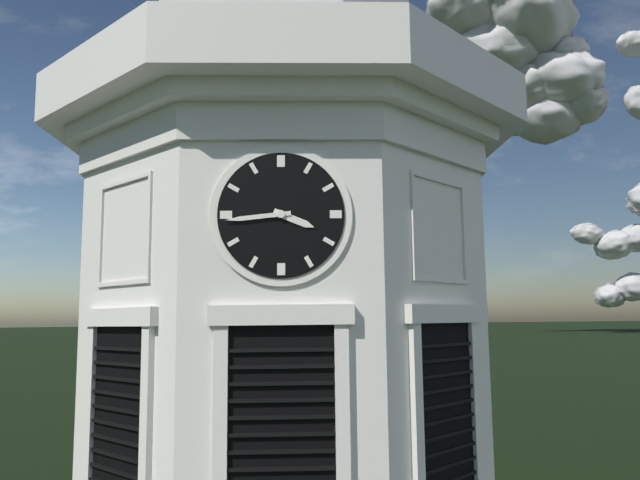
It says 3 h 44 min
